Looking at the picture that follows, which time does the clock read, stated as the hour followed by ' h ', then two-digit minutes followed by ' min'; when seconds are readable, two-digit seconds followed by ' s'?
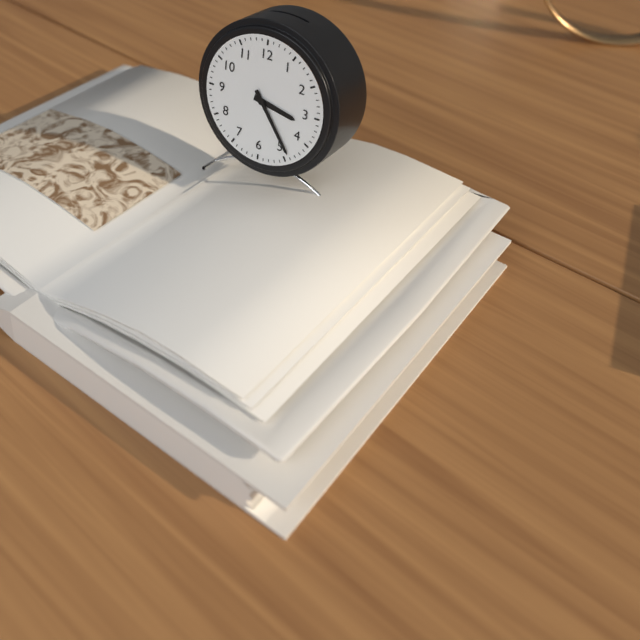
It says 3 h 24 min
